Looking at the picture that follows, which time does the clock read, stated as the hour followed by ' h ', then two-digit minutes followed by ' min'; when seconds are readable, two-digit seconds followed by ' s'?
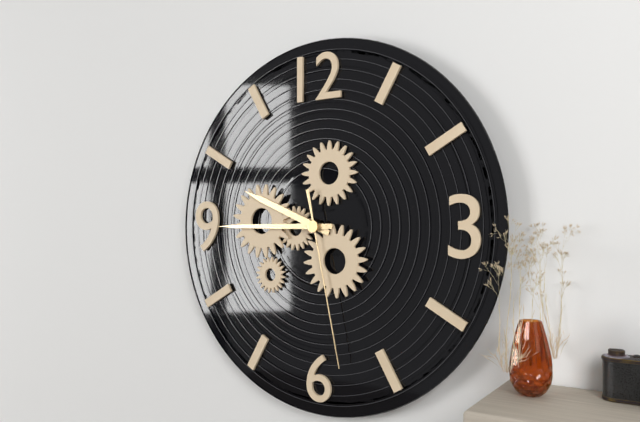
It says 9 h 45 min 28 s
